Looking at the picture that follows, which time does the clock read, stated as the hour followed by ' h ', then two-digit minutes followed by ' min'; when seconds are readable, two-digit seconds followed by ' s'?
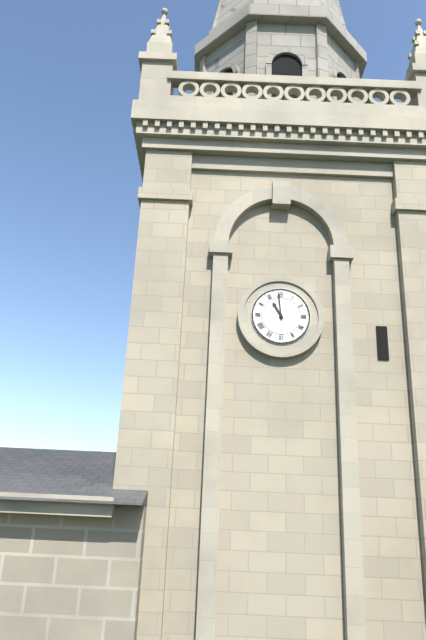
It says 10 h 59 min
